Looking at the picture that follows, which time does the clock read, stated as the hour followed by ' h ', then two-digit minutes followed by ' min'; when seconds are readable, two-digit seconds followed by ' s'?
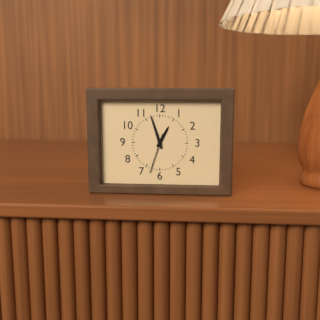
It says 12 h 57 min
